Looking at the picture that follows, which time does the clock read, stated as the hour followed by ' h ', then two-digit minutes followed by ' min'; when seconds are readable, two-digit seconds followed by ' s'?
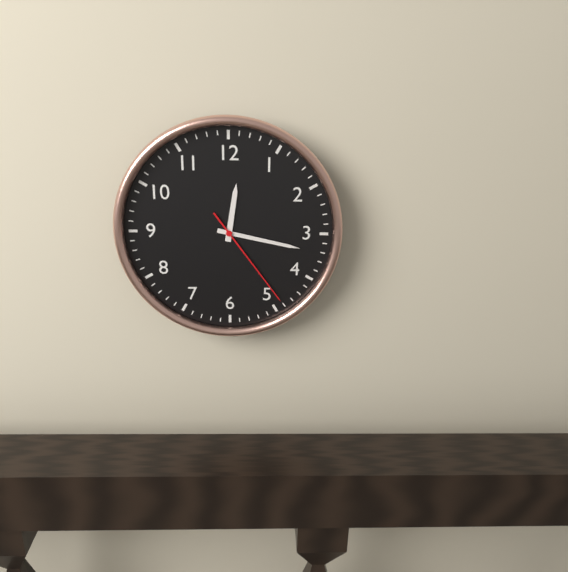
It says 12 h 17 min 24 s
